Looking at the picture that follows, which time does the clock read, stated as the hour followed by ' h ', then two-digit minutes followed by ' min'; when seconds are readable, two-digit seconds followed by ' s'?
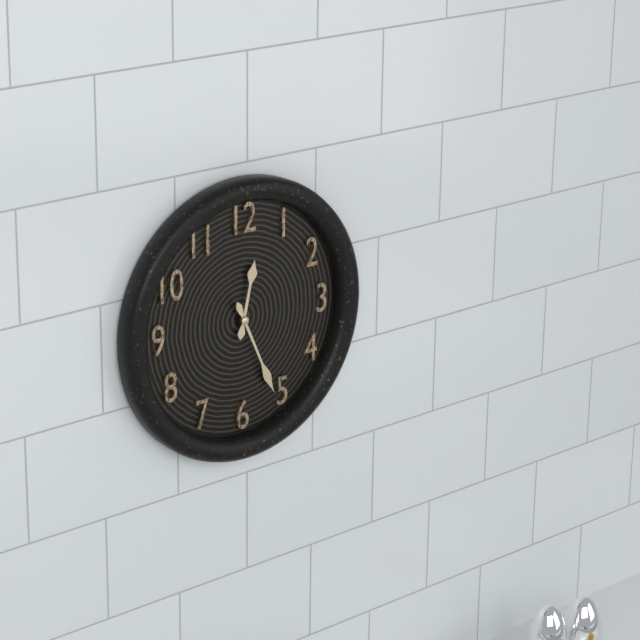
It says 12 h 26 min
